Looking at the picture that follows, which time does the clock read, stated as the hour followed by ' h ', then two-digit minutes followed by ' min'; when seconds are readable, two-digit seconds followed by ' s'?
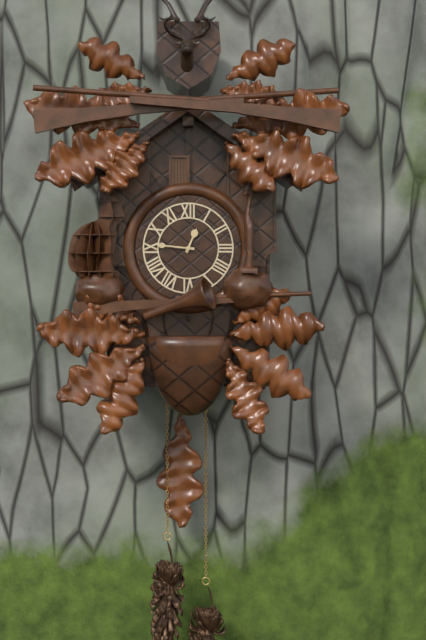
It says 12 h 46 min
